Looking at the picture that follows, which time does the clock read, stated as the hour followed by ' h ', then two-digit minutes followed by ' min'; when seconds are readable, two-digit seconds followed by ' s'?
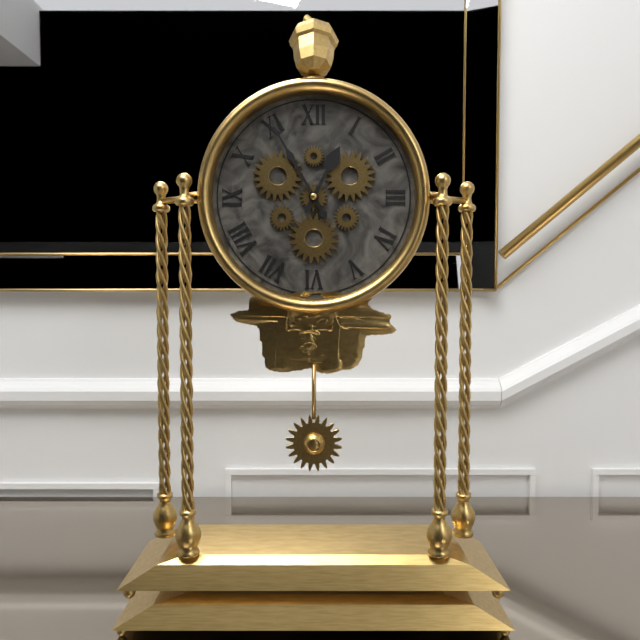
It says 12 h 55 min
